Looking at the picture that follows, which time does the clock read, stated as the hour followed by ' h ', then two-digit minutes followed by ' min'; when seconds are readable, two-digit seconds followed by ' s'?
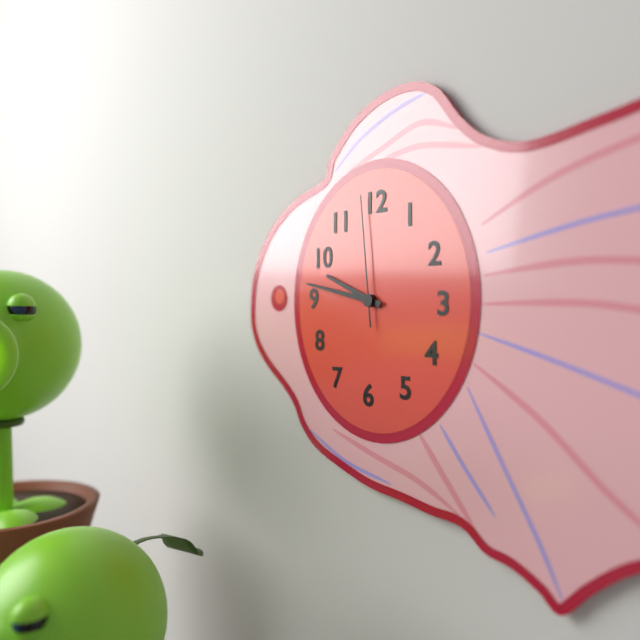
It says 9 h 47 min 59 s
